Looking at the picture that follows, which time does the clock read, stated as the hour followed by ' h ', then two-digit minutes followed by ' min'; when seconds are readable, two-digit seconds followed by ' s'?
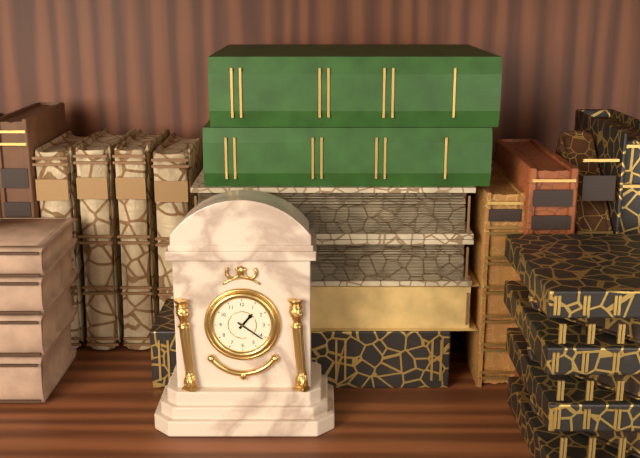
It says 1 h 21 min
